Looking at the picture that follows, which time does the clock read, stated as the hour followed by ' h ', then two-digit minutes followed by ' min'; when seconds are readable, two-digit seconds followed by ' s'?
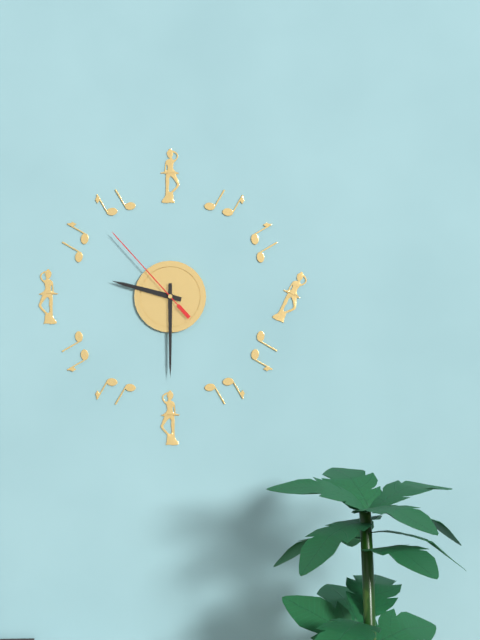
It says 9 h 30 min 53 s
